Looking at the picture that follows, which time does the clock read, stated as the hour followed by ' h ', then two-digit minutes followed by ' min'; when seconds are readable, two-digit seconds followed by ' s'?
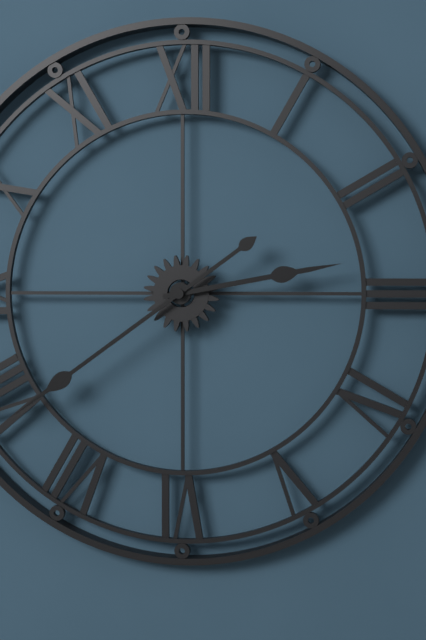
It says 2 h 39 min
